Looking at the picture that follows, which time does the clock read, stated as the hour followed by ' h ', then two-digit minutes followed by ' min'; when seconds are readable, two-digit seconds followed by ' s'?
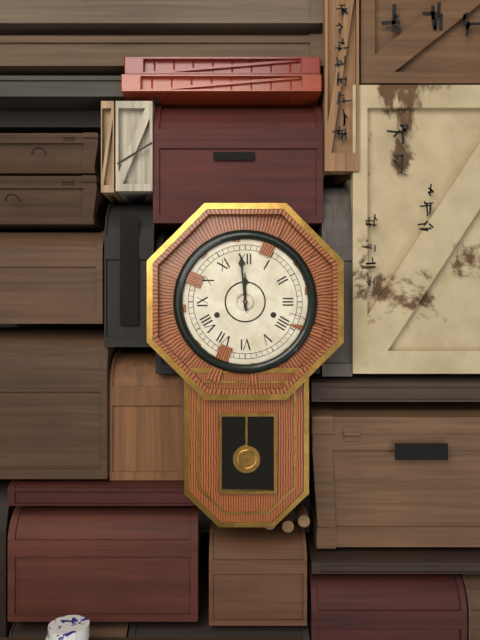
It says 11 h 59 min
